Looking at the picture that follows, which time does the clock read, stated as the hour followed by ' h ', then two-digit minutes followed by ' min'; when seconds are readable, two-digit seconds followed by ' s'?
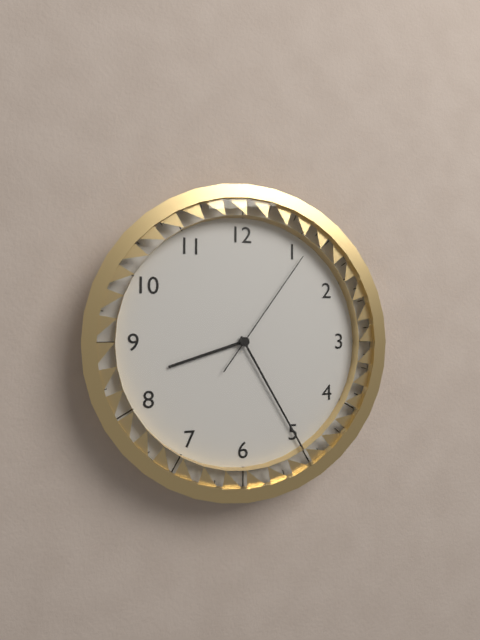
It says 8 h 25 min 06 s
